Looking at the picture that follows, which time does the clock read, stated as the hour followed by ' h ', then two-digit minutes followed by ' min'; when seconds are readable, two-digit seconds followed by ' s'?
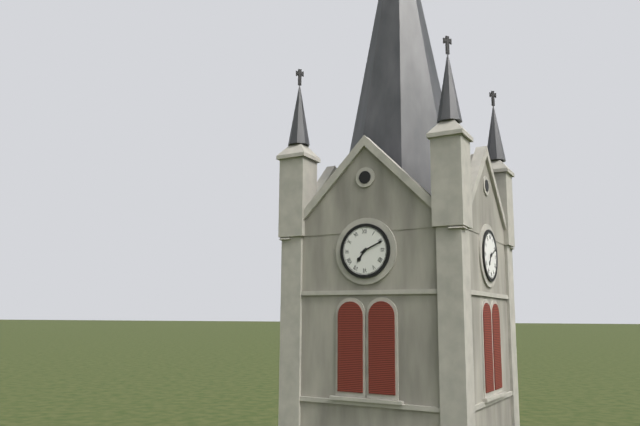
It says 7 h 11 min
